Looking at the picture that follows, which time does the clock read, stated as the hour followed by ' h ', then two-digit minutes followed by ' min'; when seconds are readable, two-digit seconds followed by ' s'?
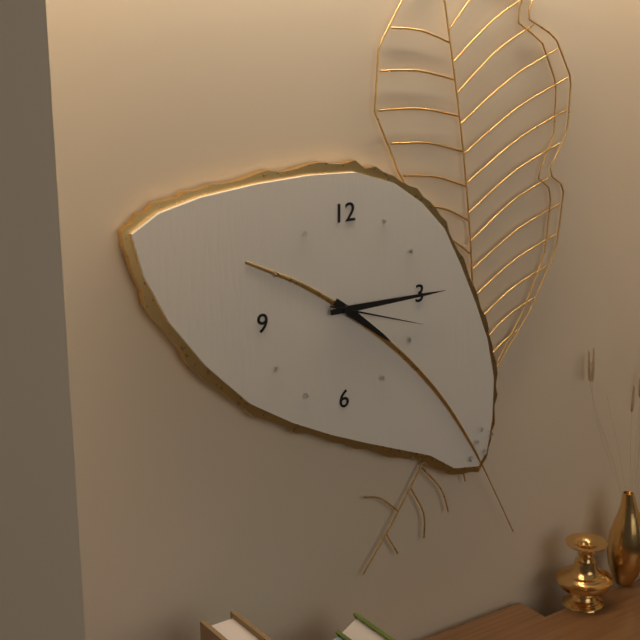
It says 4 h 15 min 18 s
